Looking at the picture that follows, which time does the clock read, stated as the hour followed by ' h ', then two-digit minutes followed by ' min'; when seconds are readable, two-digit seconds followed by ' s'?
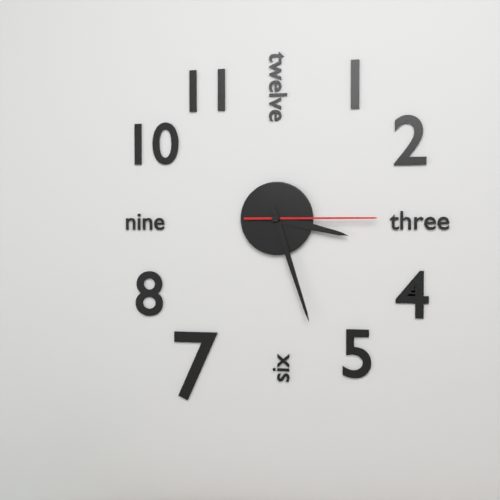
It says 3 h 27 min 15 s
